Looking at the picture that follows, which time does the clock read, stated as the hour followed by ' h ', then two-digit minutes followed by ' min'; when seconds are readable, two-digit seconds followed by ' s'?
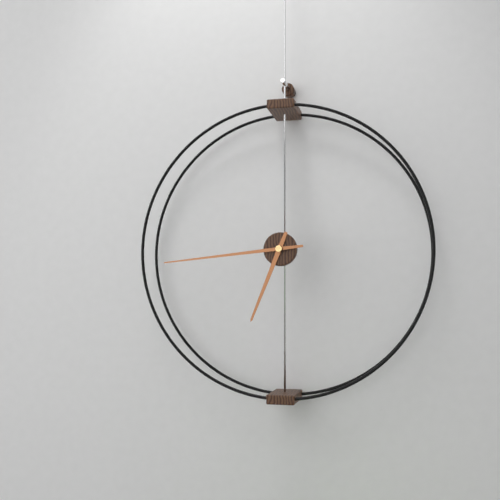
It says 6 h 44 min
